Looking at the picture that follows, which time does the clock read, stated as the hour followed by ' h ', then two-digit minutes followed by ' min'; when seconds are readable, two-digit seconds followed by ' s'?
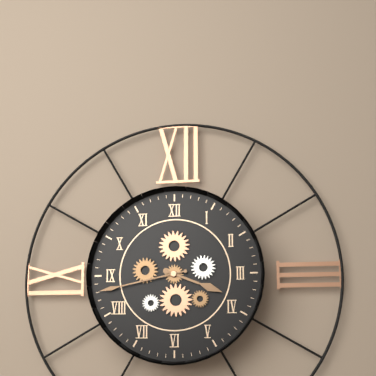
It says 3 h 43 min
